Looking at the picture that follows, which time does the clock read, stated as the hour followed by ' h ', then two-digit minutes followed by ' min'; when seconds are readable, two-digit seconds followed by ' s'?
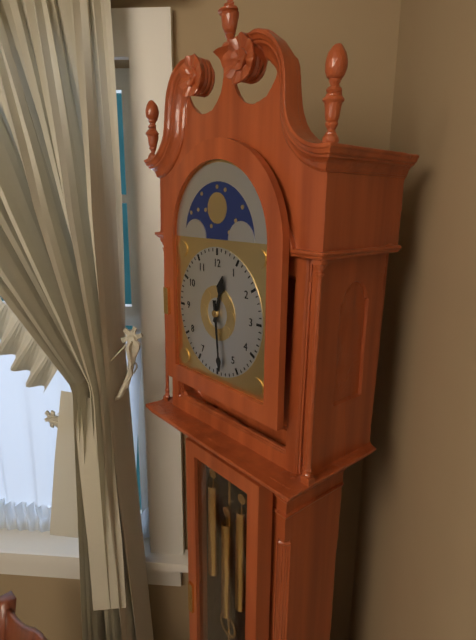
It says 12 h 29 min
